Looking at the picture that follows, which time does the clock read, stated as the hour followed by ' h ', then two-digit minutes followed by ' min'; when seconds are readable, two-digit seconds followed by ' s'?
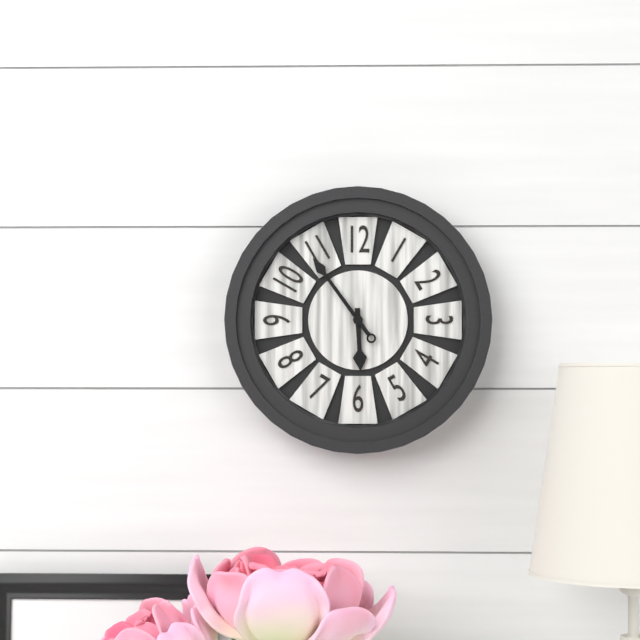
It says 5 h 54 min
